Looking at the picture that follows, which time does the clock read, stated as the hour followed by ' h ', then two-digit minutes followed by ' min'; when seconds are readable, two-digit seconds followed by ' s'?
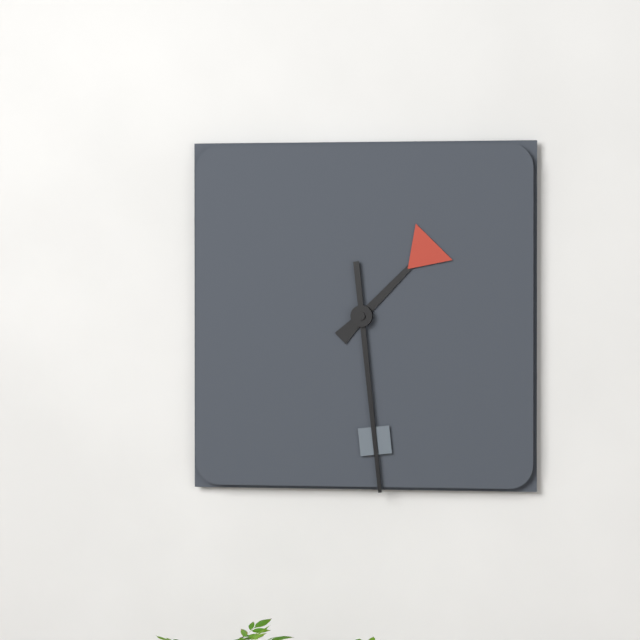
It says 1 h 29 min
